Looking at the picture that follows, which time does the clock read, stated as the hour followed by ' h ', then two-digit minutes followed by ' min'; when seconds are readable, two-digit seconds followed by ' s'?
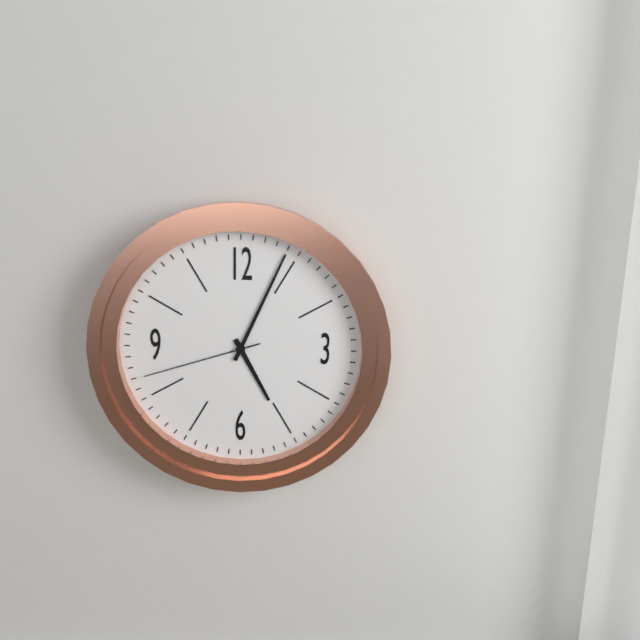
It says 5 h 04 min 42 s
